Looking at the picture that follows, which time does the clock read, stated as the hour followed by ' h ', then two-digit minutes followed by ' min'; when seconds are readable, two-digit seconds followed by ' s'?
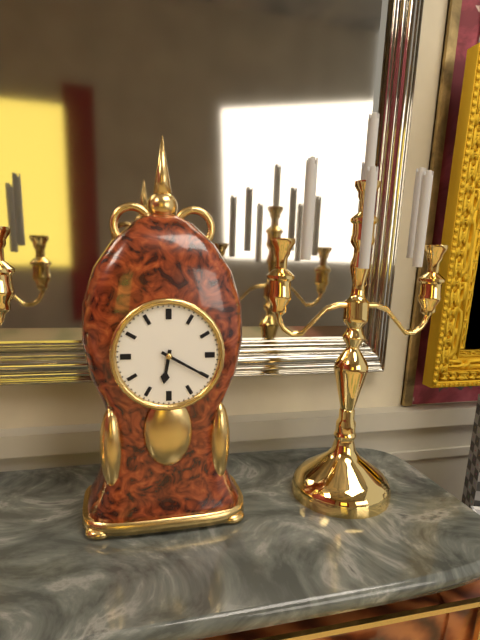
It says 6 h 20 min
